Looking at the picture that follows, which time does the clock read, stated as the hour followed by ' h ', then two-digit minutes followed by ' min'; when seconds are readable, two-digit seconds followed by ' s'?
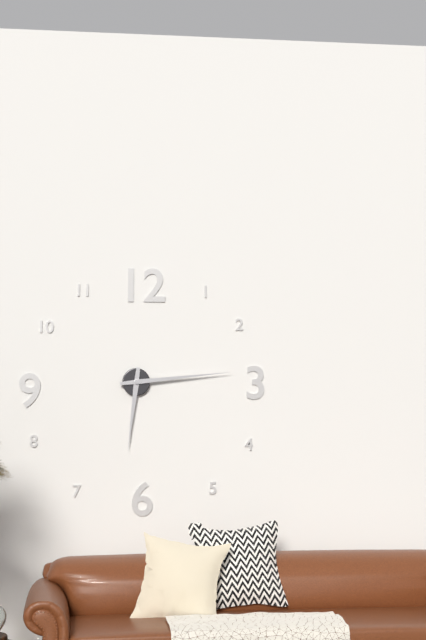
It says 6 h 14 min
